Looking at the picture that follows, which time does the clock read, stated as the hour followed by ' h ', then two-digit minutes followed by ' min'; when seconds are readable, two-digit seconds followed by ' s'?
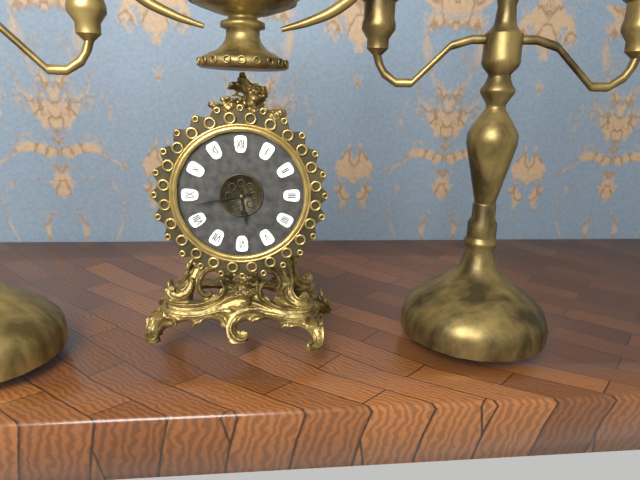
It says 5 h 43 min
